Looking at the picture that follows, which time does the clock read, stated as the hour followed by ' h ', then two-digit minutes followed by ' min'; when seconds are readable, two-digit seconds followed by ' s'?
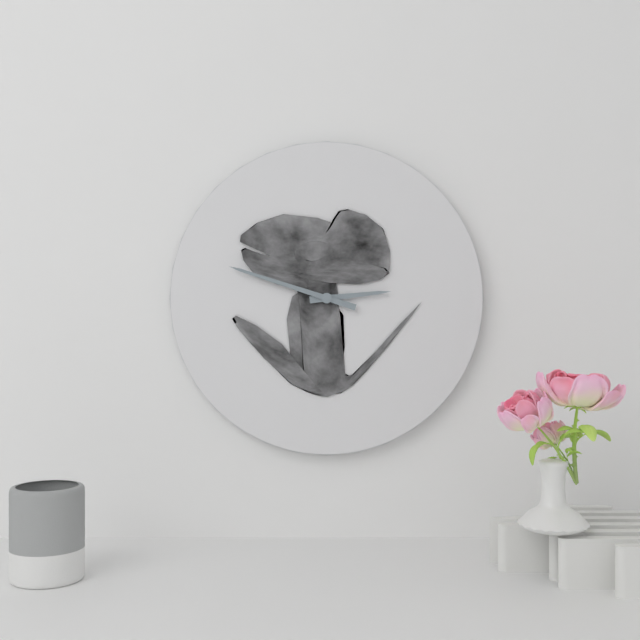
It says 2 h 48 min
